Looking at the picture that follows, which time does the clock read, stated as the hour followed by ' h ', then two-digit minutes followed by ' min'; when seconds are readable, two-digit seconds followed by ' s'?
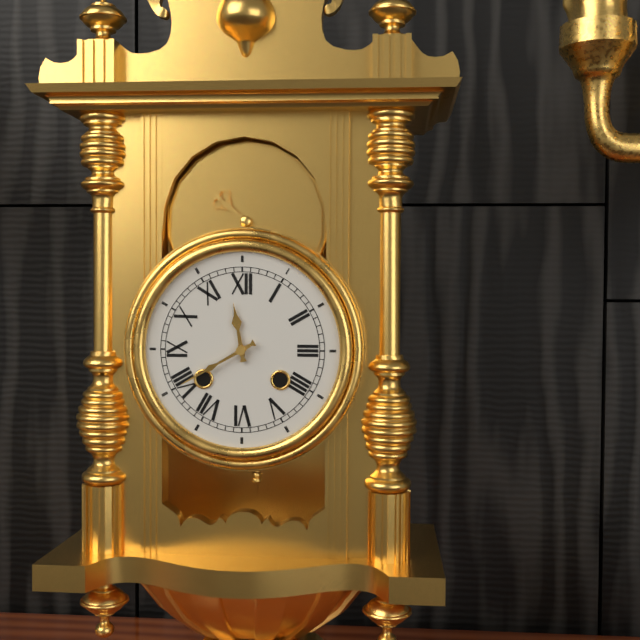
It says 11 h 40 min
